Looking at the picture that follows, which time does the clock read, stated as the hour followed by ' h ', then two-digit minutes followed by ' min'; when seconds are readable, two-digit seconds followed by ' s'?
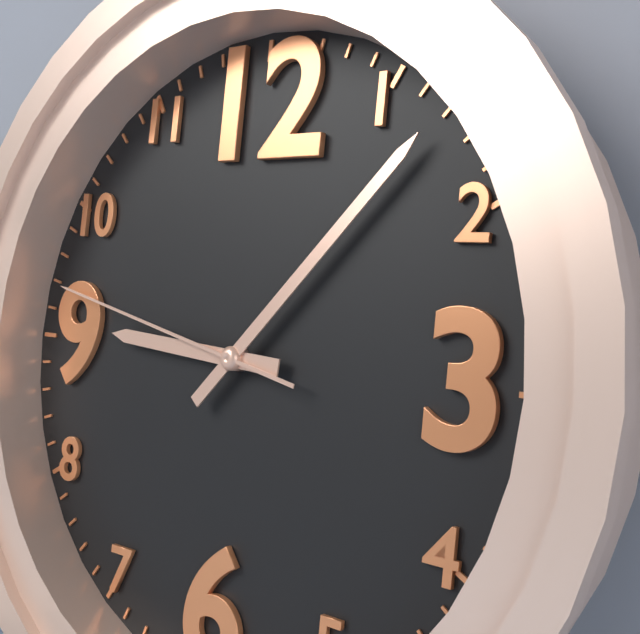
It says 9 h 07 min 47 s
